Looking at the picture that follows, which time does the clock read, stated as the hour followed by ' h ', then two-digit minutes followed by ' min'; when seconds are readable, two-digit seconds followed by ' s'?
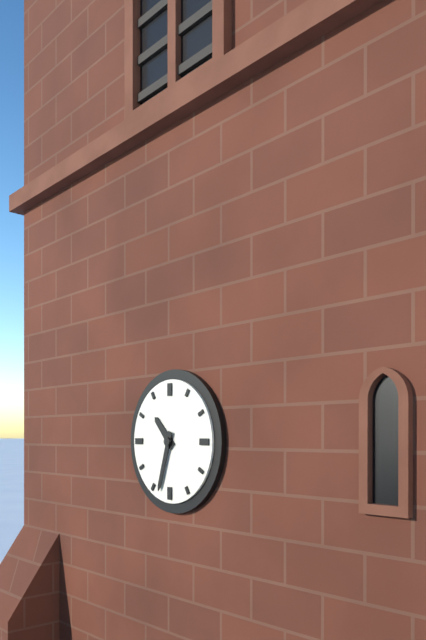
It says 10 h 33 min
